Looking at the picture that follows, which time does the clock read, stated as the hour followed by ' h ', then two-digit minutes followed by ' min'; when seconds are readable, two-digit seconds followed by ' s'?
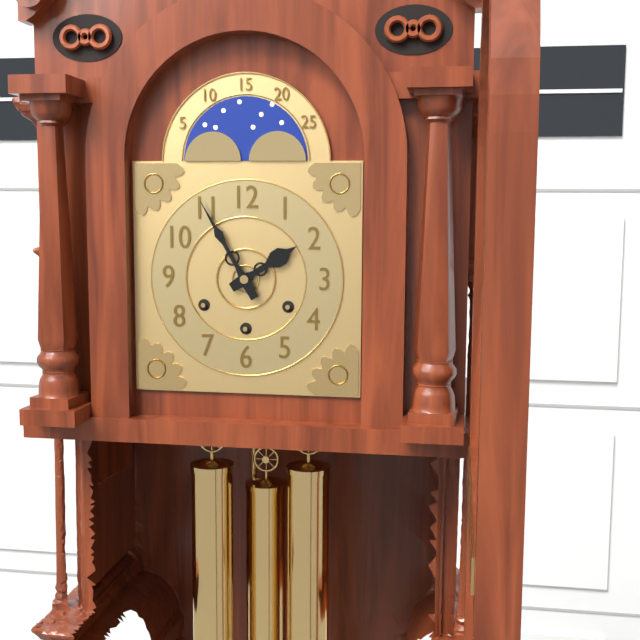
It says 1 h 55 min
